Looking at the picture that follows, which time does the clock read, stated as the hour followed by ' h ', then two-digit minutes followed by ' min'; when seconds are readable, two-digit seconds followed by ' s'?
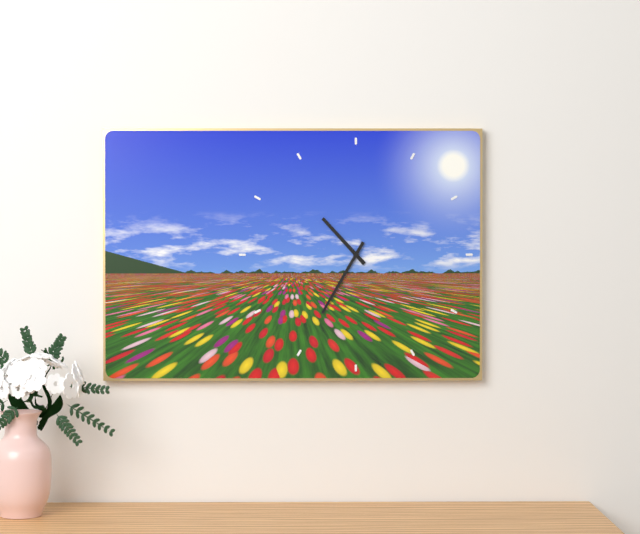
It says 10 h 35 min
